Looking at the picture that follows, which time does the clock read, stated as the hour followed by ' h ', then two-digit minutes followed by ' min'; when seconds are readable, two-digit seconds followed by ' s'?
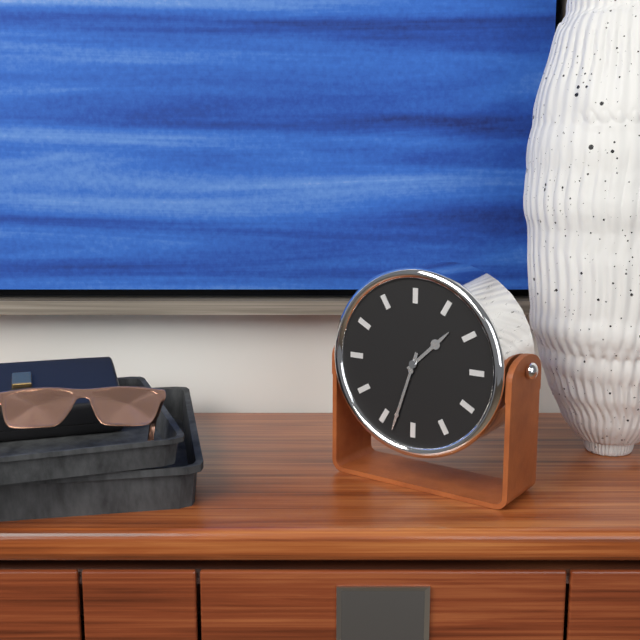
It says 1 h 33 min
